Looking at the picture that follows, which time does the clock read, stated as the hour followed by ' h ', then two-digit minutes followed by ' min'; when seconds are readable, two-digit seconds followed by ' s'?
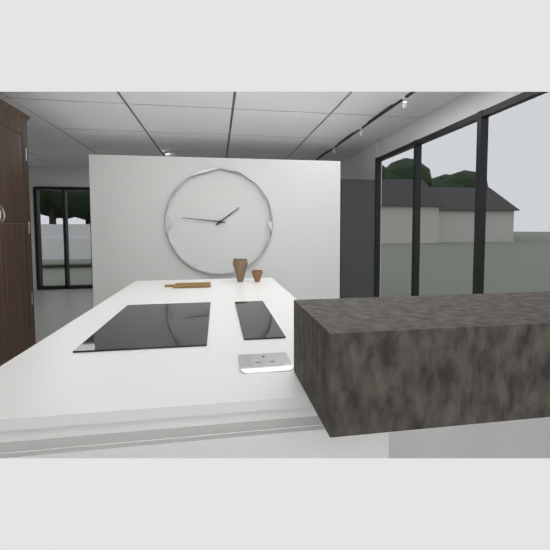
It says 1 h 46 min
